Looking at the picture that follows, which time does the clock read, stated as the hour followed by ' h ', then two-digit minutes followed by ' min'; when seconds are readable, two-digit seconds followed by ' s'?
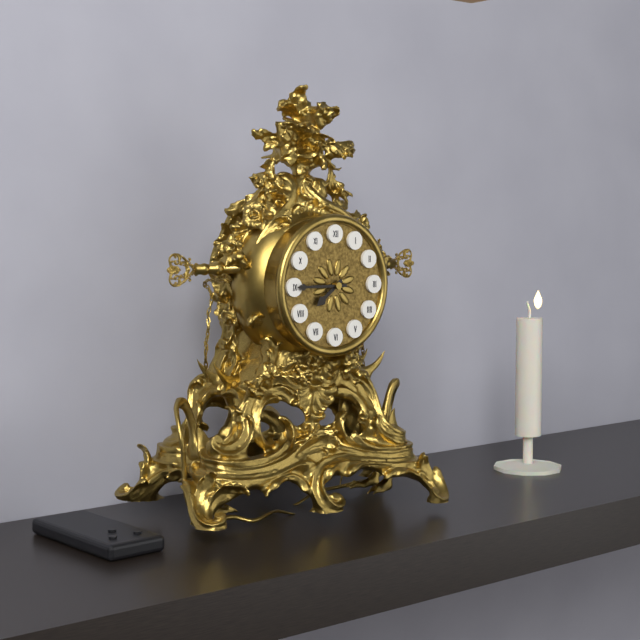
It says 7 h 45 min
